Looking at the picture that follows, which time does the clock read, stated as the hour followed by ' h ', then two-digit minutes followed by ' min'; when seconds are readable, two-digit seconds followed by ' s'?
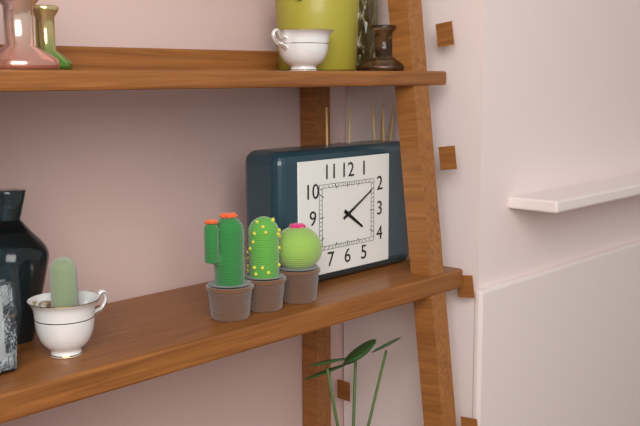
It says 4 h 10 min
